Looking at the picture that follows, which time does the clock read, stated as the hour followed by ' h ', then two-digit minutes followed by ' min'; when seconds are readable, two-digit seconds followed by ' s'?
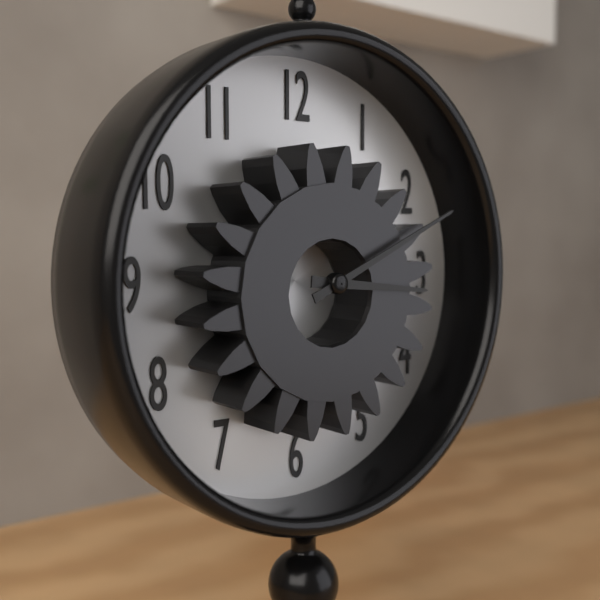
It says 3 h 11 min
